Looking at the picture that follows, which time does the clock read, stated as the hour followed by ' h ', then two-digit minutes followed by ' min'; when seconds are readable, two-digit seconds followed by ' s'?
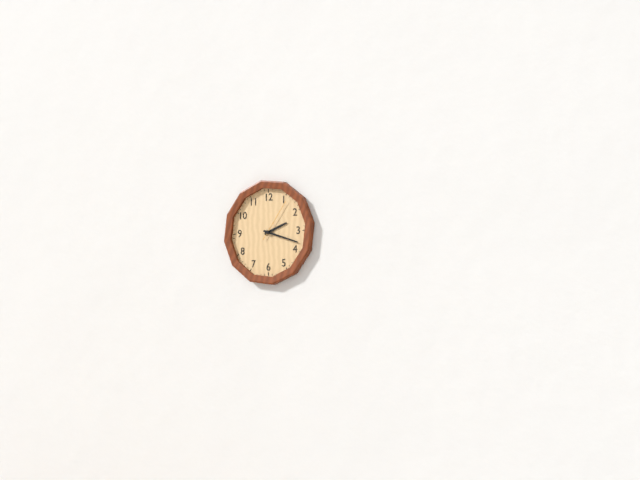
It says 2 h 18 min
